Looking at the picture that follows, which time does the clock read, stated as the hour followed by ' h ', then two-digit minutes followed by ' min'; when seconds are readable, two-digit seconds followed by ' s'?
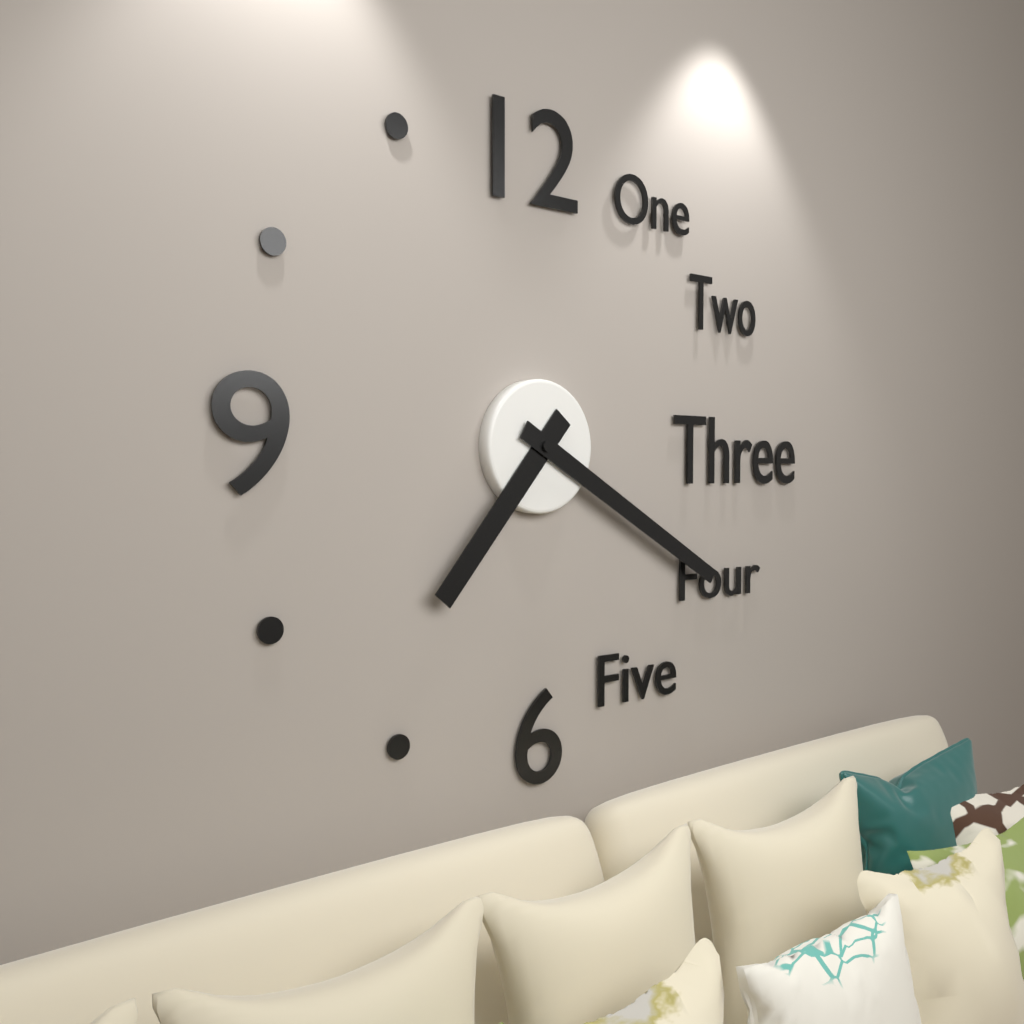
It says 7 h 20 min
